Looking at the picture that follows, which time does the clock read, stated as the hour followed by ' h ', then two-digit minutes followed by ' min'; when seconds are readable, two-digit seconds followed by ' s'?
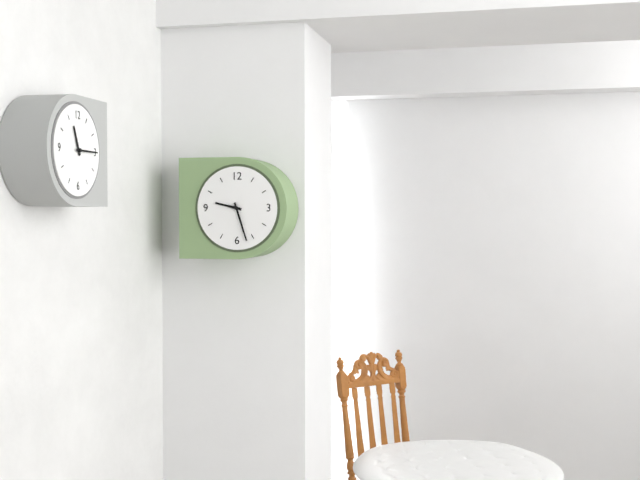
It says 9 h 27 min
